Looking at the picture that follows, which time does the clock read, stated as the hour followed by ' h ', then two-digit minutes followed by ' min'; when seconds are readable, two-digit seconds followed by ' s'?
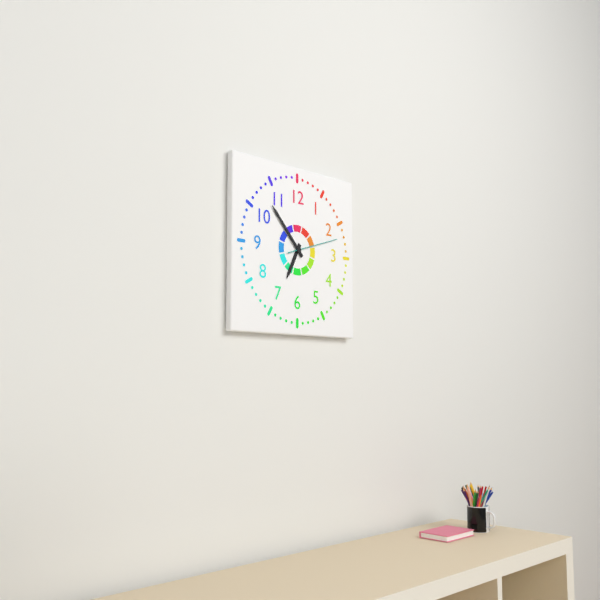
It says 6 h 53 min 12 s
